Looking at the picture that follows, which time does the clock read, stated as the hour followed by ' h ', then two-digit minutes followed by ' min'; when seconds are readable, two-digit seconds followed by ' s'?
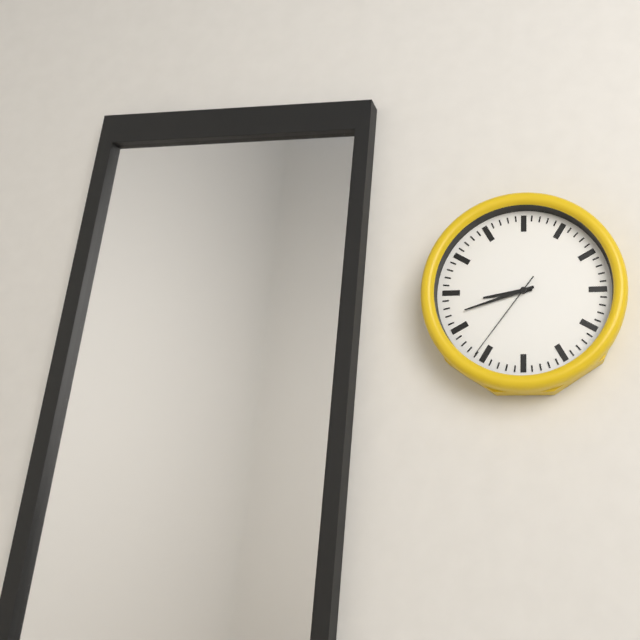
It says 8 h 42 min 36 s
